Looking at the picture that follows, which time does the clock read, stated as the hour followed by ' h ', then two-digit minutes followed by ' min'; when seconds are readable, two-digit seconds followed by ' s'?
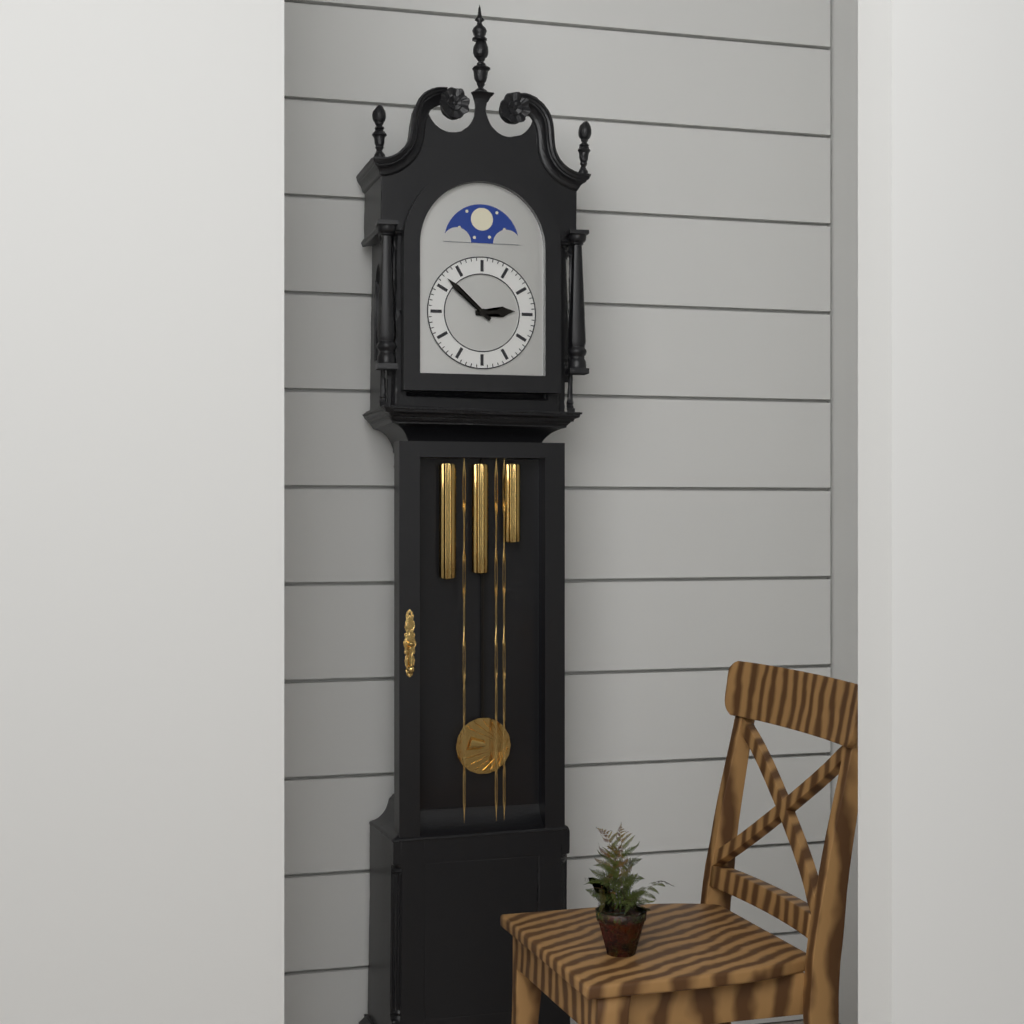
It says 2 h 52 min
